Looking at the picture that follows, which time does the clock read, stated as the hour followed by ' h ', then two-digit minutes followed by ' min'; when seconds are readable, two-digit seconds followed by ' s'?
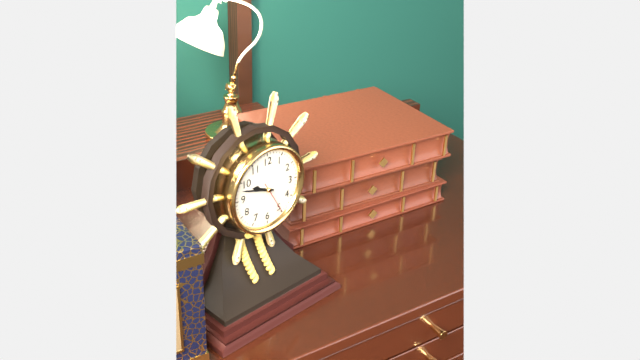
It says 9 h 48 min
